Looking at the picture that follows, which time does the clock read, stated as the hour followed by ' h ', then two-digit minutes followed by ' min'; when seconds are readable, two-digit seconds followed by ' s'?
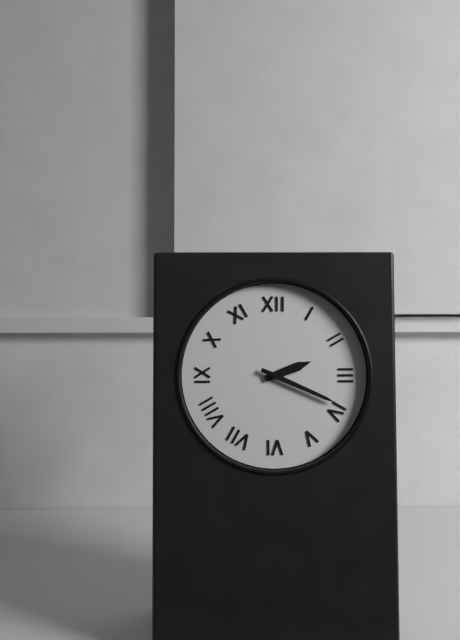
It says 2 h 19 min
